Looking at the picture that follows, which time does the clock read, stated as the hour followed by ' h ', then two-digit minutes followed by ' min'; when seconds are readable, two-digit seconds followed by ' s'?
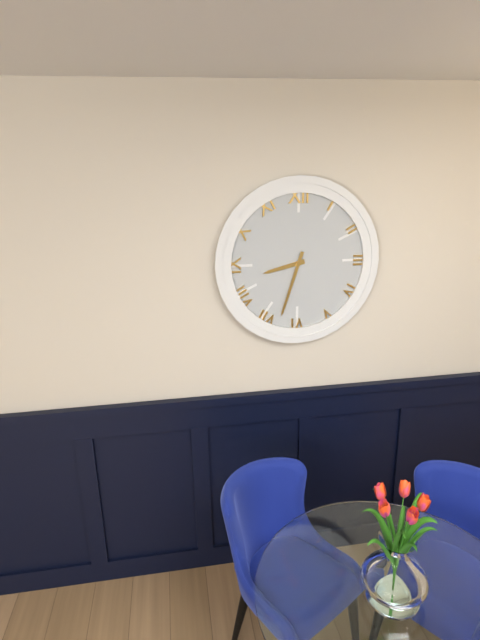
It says 8 h 33 min
